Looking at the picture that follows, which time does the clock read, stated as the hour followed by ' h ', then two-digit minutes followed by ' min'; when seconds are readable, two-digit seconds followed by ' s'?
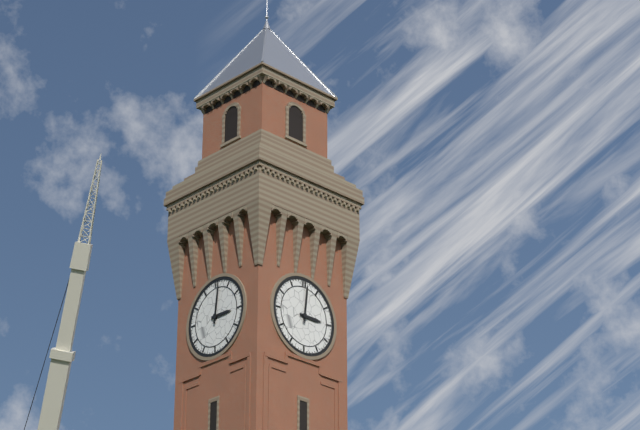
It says 3 h 01 min
